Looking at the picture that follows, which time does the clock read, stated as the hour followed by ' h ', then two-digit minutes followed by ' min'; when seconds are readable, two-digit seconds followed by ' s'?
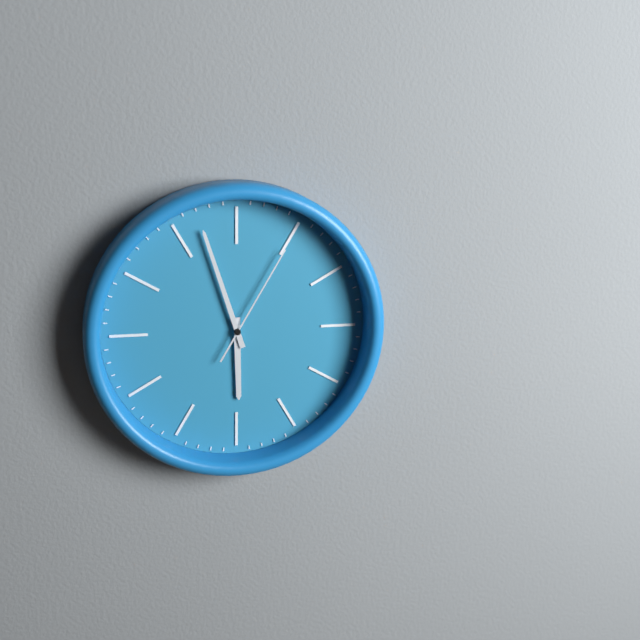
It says 5 h 57 min 05 s
